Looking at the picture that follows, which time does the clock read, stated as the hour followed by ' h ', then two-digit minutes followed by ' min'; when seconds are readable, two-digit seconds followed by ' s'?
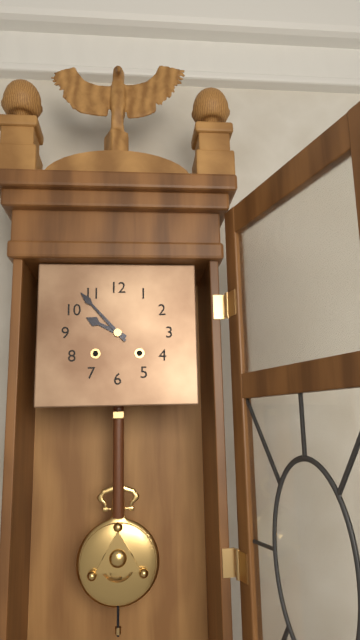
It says 9 h 53 min
